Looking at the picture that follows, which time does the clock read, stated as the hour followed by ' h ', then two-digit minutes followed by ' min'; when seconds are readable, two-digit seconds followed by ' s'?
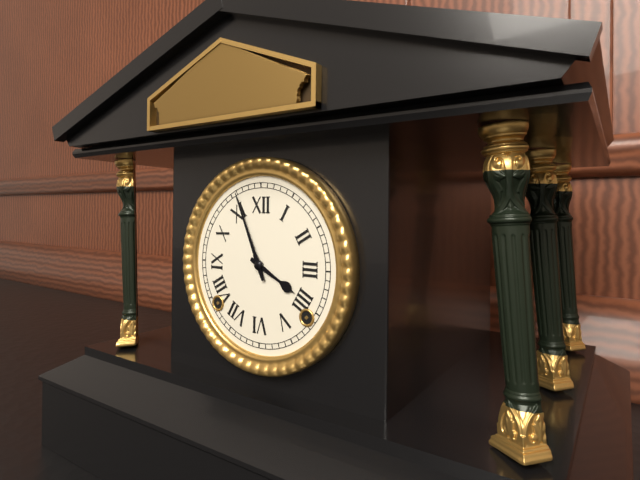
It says 3 h 56 min
